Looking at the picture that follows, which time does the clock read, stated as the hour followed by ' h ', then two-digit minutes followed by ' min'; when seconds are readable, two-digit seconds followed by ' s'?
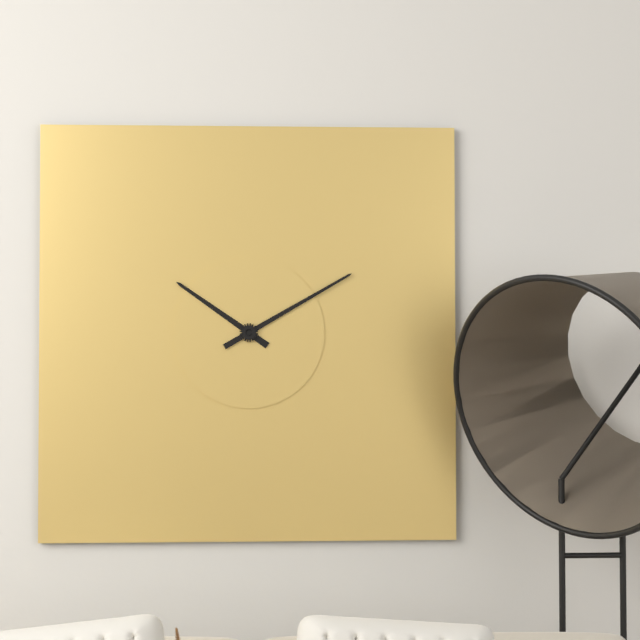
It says 10 h 10 min
